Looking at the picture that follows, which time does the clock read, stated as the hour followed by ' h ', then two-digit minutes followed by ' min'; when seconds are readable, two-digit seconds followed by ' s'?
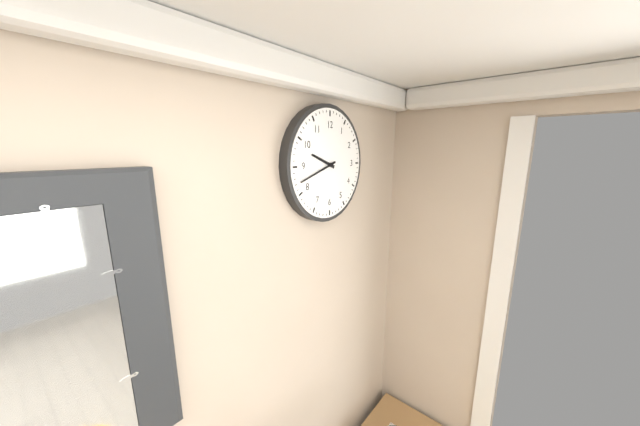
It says 9 h 42 min
